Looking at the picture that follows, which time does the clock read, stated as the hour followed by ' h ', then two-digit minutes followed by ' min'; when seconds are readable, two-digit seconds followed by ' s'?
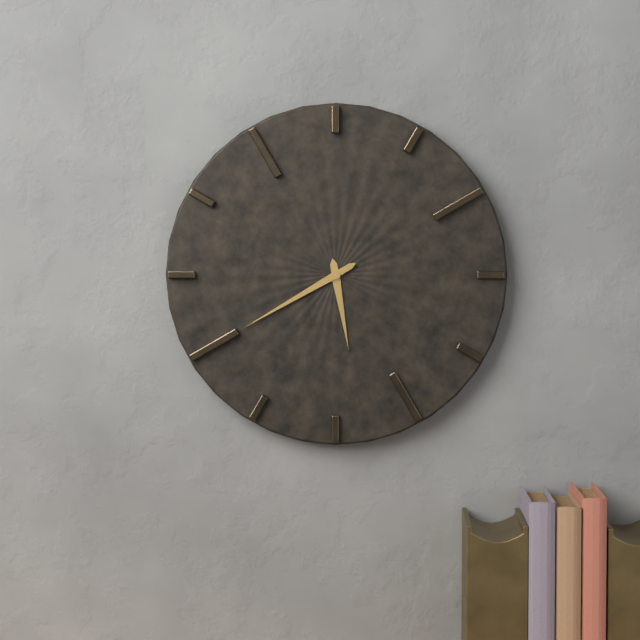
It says 5 h 40 min
